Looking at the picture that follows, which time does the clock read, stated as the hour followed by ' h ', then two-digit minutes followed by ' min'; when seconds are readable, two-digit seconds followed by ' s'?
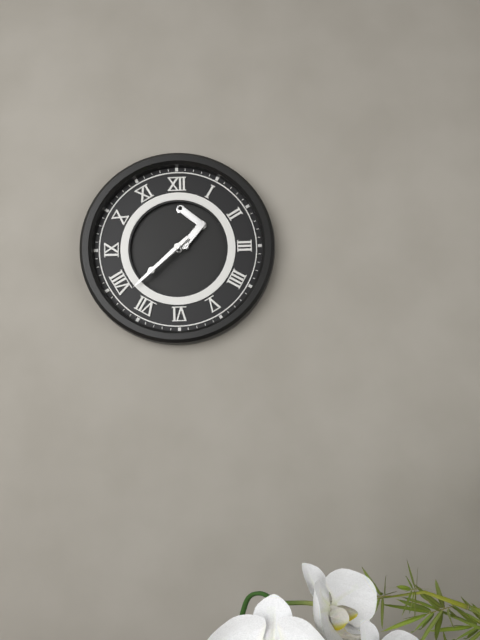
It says 7 h 38 min
